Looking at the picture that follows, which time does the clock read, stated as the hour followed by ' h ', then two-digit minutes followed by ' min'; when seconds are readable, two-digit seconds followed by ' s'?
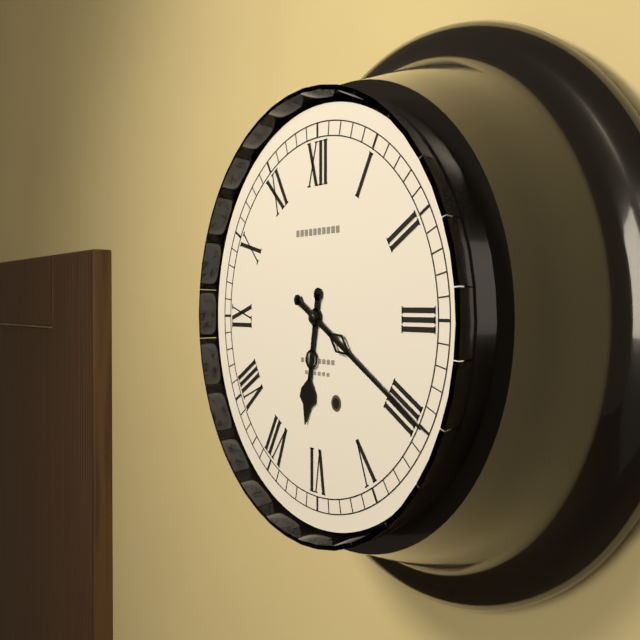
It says 6 h 20 min
